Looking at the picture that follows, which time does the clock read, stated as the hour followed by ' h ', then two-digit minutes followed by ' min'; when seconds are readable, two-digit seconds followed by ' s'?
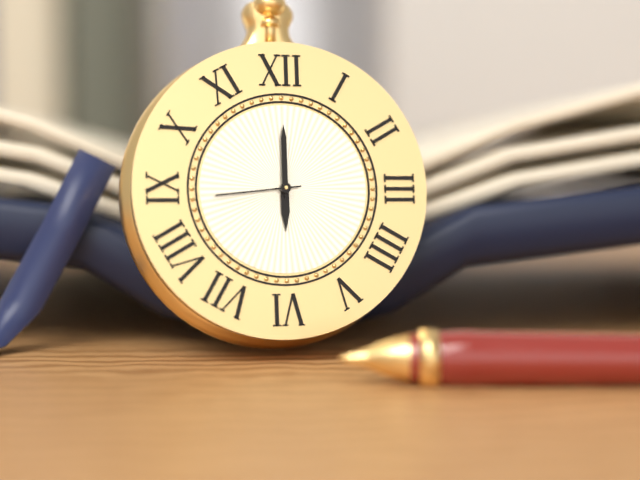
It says 6 h 00 min 44 s
